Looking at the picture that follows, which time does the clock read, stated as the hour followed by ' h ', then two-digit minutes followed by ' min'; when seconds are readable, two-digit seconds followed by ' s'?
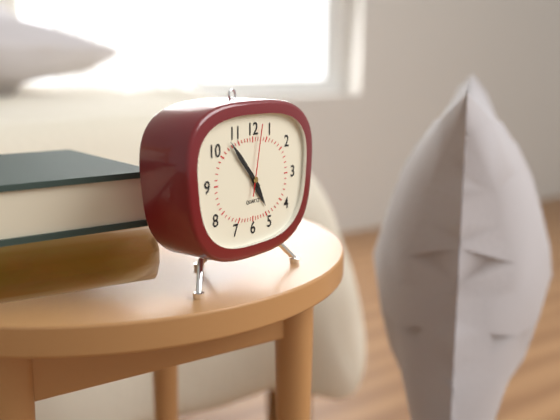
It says 4 h 53 min 02 s
